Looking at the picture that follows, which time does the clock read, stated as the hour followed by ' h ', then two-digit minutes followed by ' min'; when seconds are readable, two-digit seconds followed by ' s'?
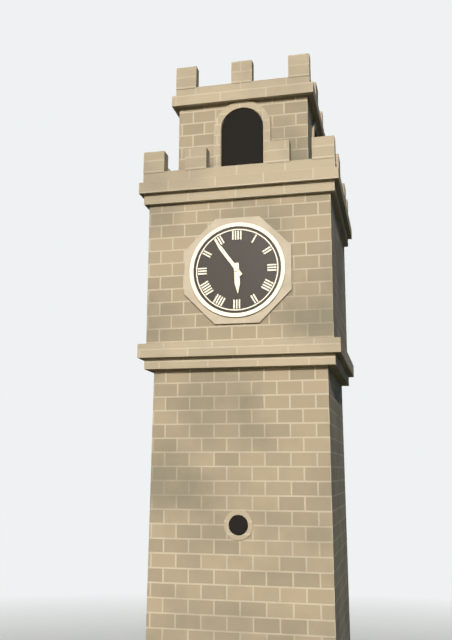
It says 5 h 54 min
